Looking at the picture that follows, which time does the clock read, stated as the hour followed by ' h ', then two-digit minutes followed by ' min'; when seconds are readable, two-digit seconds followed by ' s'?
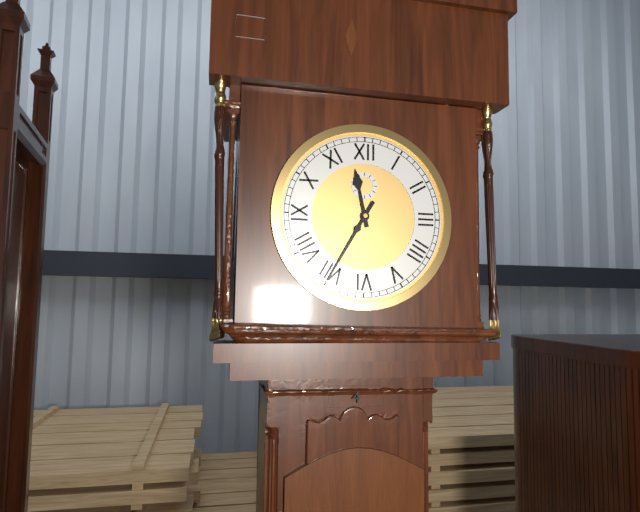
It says 11 h 35 min
